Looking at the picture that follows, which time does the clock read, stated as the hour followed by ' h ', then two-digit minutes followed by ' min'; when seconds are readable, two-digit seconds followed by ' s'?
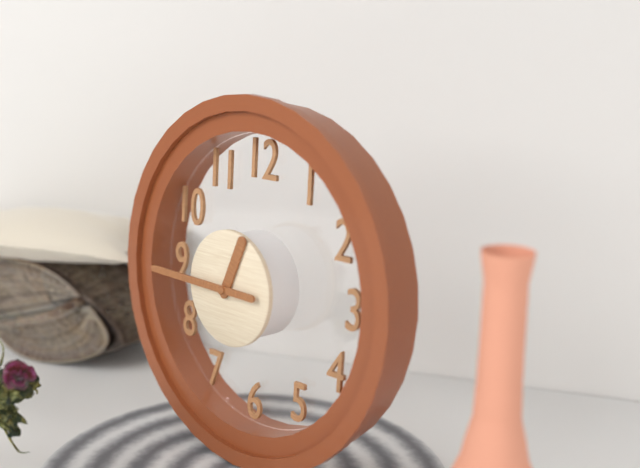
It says 12 h 45 min
